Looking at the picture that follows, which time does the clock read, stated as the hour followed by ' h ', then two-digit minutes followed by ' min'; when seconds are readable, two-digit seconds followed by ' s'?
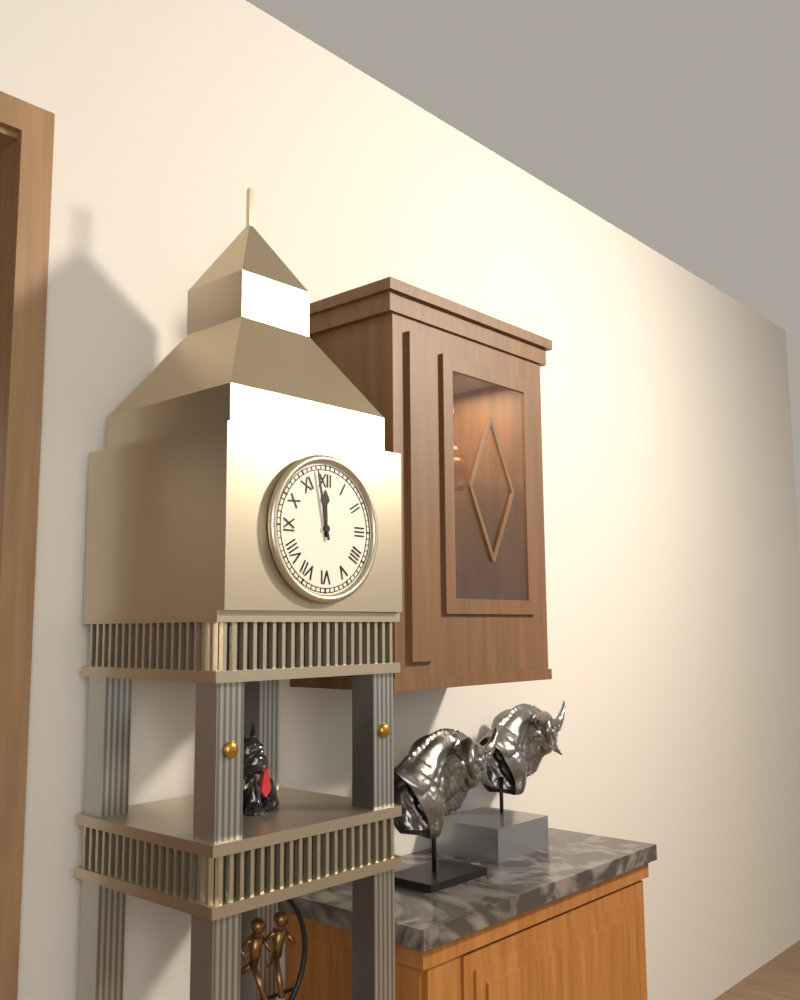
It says 11 h 58 min
